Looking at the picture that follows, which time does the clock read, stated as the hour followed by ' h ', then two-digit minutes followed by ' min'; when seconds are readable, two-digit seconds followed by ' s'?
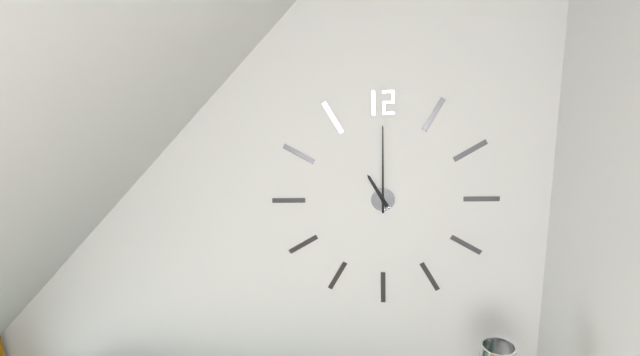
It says 11 h 00 min
